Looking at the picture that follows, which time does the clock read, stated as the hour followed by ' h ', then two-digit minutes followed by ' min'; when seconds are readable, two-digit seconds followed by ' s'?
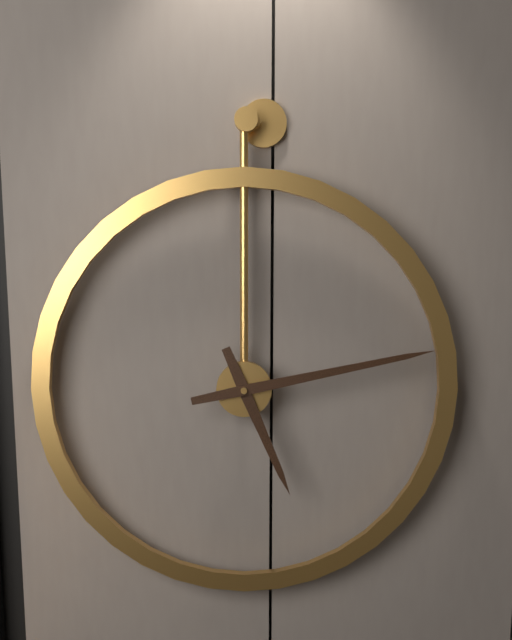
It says 5 h 13 min
